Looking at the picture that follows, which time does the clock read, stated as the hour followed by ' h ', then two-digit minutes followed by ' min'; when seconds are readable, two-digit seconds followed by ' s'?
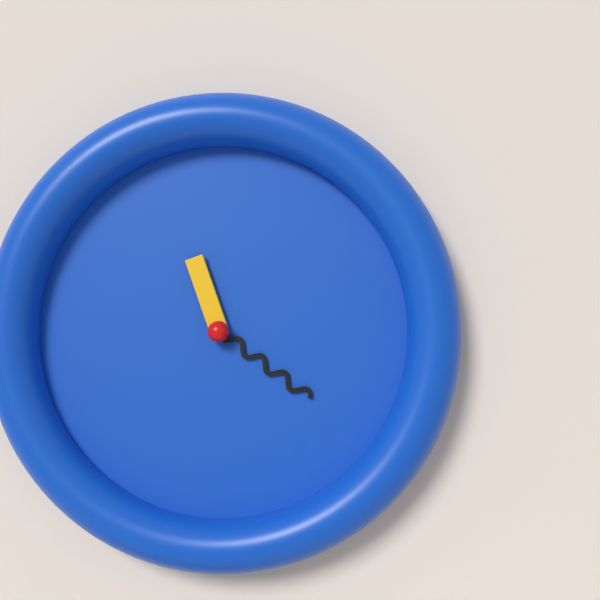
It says 11 h 21 min
